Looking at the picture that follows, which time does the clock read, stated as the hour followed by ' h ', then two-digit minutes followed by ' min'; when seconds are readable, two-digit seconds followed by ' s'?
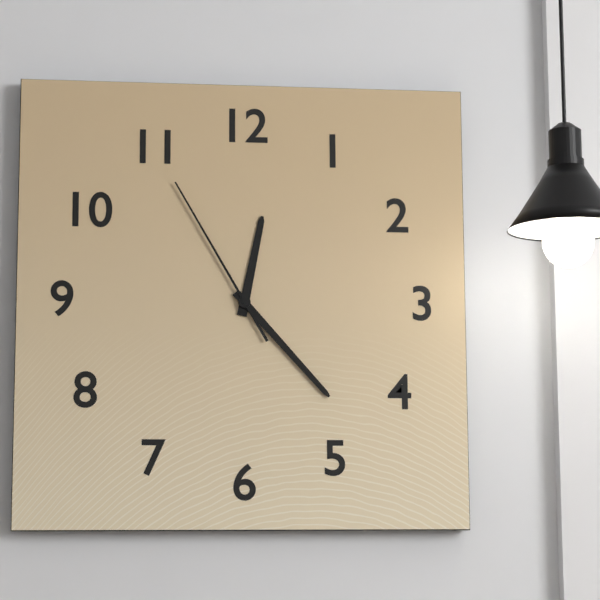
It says 12 h 23 min 55 s
